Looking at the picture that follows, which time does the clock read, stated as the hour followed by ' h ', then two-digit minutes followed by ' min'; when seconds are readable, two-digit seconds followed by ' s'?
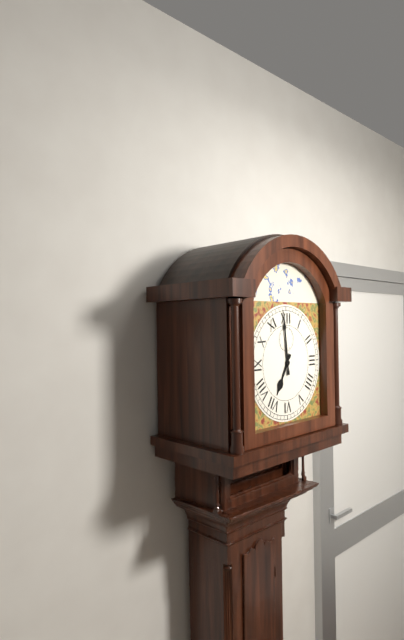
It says 6 h 59 min
